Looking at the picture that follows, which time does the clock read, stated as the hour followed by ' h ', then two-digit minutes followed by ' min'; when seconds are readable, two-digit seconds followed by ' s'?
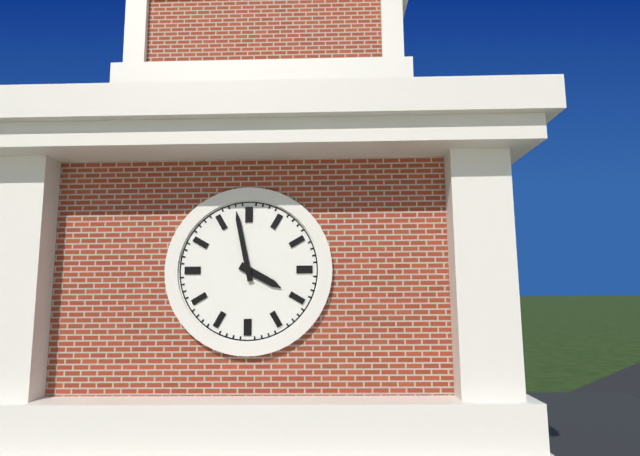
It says 3 h 58 min
